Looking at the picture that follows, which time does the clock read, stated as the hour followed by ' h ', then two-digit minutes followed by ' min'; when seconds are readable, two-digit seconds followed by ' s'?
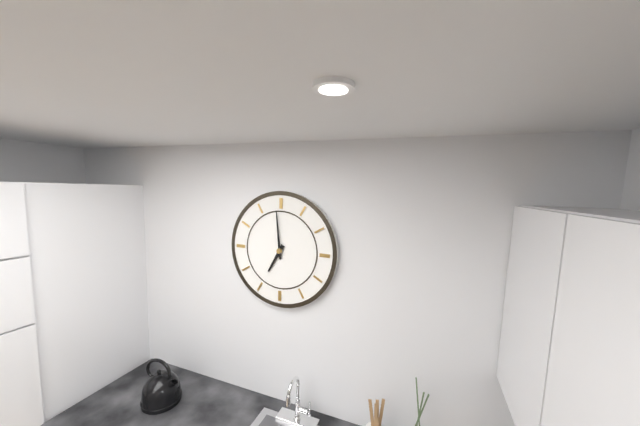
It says 6 h 59 min
